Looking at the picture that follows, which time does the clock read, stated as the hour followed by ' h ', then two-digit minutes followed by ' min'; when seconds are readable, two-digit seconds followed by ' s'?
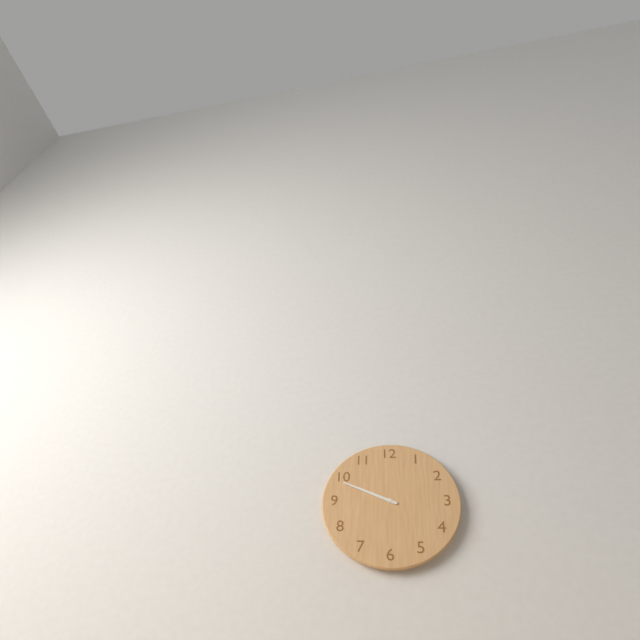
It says 9 h 49 min
